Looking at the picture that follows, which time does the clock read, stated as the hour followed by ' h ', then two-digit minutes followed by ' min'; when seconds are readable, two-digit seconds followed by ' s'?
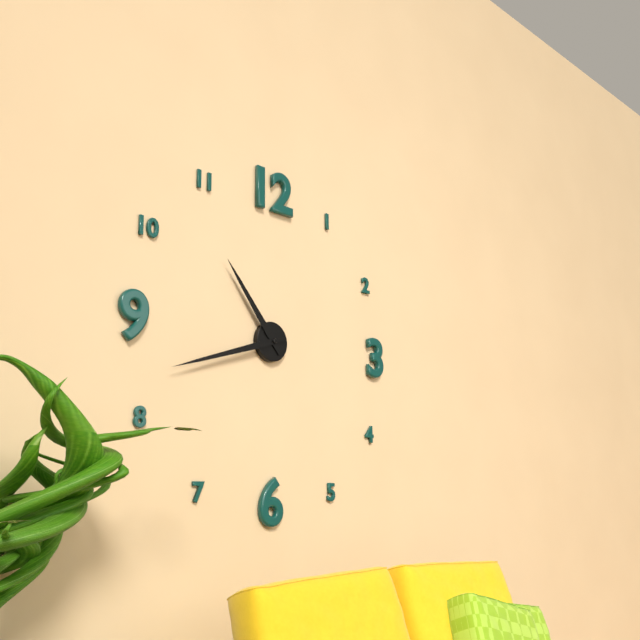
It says 10 h 42 min
